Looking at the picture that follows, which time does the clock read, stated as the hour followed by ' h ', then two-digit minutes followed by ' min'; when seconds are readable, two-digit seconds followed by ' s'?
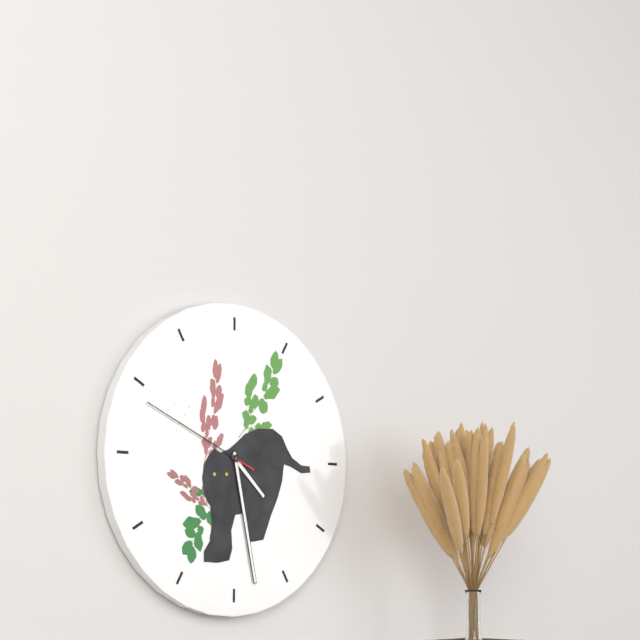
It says 4 h 28 min 49 s
